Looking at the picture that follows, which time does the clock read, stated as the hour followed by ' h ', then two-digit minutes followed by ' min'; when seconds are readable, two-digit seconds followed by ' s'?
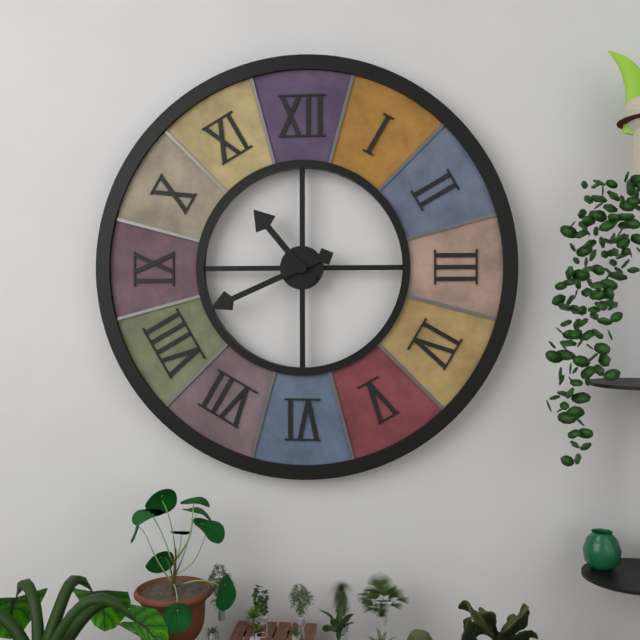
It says 10 h 41 min
